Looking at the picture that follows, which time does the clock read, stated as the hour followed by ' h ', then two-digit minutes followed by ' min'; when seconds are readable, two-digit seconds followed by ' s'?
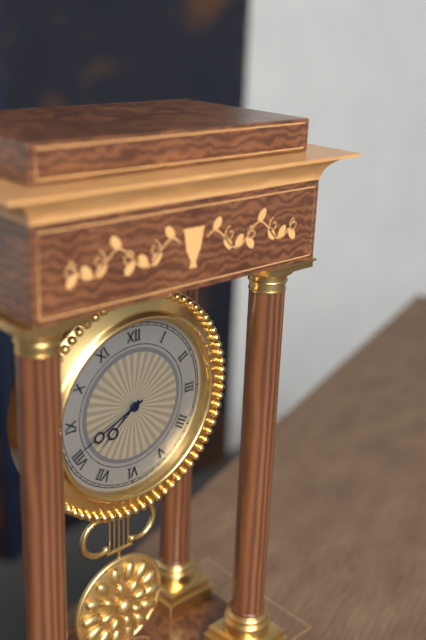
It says 7 h 41 min
